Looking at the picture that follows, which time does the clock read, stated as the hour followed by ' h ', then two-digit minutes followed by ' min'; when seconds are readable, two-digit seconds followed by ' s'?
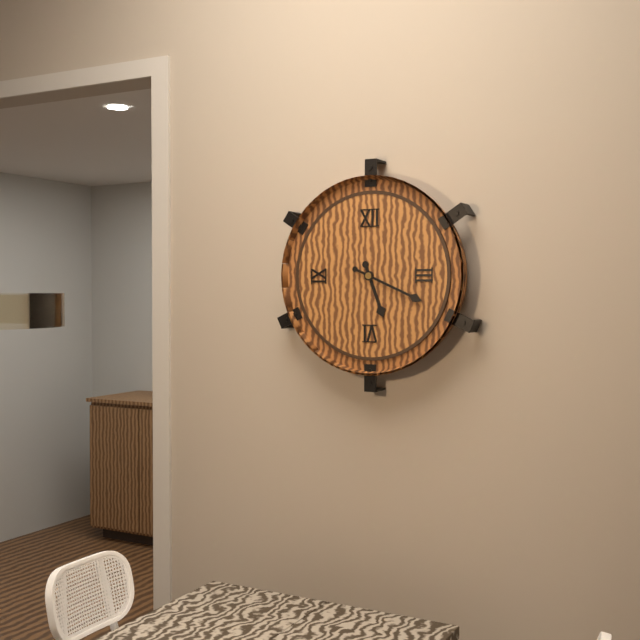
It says 5 h 19 min
